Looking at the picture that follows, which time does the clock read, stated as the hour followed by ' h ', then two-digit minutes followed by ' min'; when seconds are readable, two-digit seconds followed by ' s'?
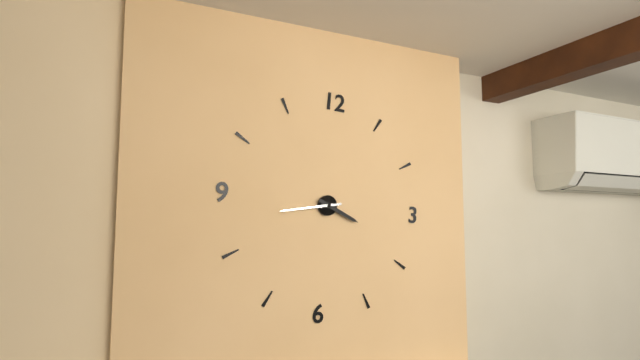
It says 3 h 43 min
